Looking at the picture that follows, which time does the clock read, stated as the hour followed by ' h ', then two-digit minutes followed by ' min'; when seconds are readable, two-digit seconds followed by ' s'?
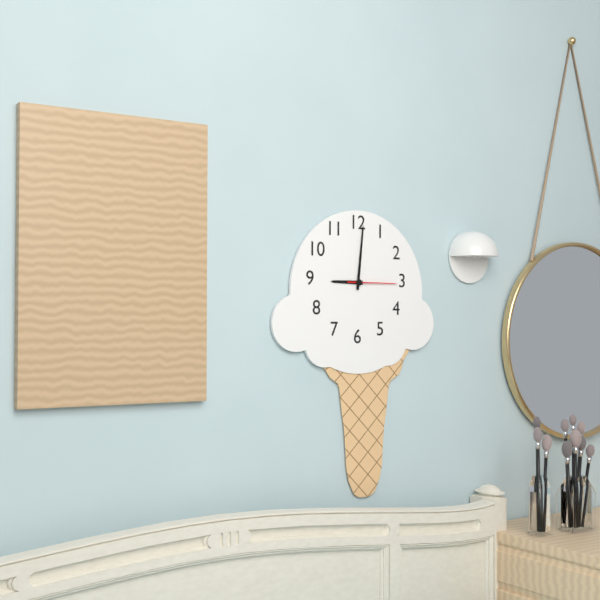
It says 9 h 01 min
